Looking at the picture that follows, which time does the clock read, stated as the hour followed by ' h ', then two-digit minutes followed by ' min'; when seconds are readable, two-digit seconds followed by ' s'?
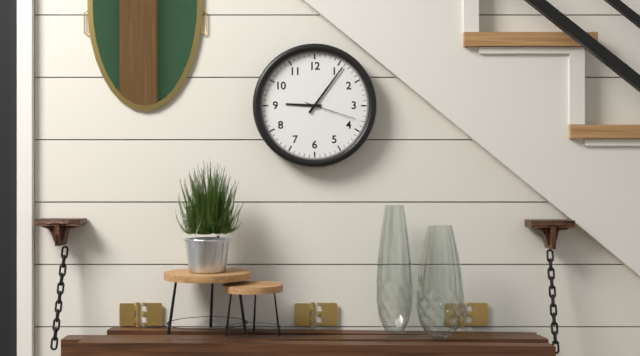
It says 9 h 06 min 18 s
